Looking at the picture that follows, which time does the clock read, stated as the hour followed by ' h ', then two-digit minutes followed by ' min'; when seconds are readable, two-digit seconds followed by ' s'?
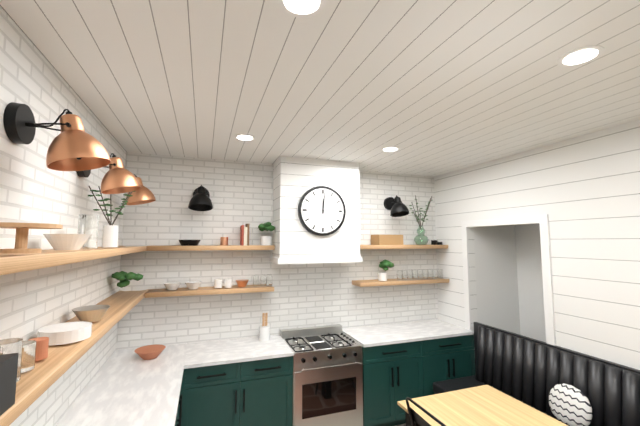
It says 12 h 01 min
